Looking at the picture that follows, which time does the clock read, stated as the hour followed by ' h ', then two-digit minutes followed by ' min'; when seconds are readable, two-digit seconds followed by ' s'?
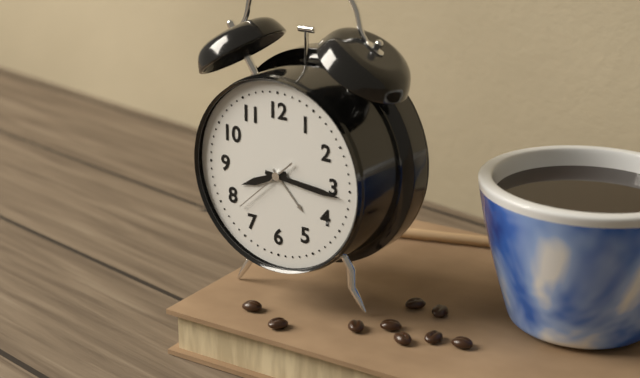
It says 8 h 16 min 38 s
